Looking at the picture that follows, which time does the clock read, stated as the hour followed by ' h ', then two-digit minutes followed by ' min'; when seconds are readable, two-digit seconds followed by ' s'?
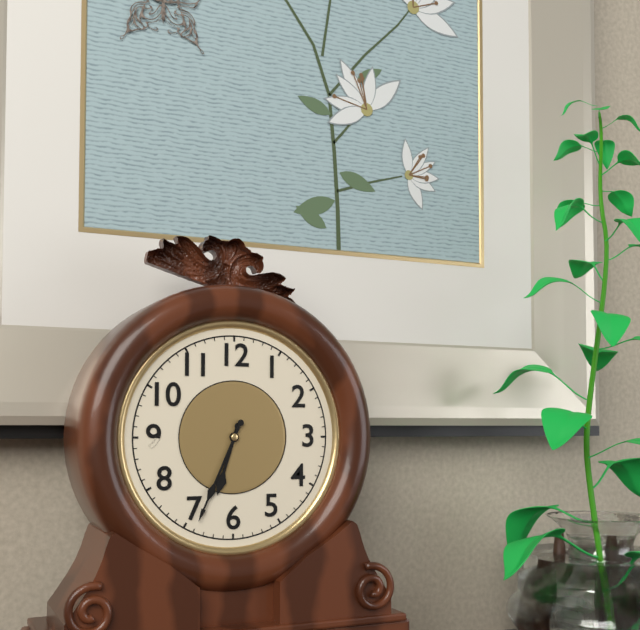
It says 6 h 34 min
